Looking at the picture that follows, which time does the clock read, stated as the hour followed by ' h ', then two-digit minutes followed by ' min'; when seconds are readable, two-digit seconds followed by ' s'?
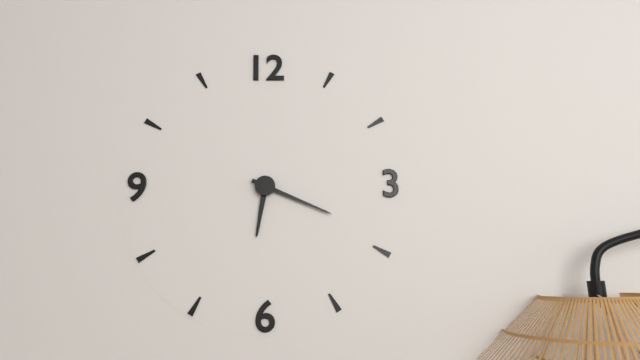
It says 6 h 19 min
